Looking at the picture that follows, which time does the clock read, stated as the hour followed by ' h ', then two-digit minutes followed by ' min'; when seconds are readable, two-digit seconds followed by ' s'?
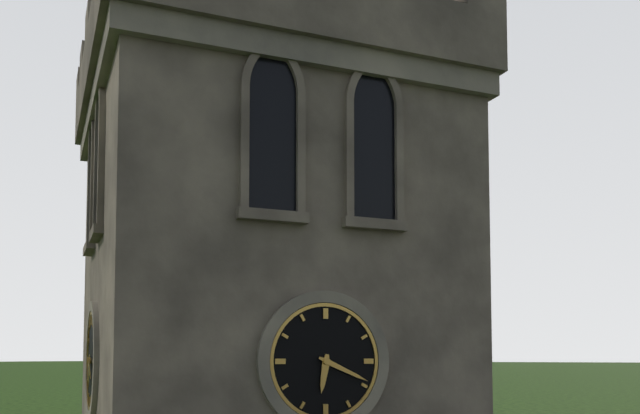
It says 6 h 19 min
